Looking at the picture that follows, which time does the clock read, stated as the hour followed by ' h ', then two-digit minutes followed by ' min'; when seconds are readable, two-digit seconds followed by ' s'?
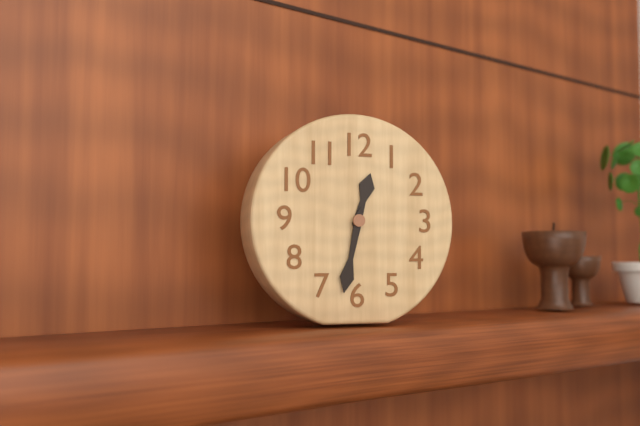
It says 12 h 32 min
